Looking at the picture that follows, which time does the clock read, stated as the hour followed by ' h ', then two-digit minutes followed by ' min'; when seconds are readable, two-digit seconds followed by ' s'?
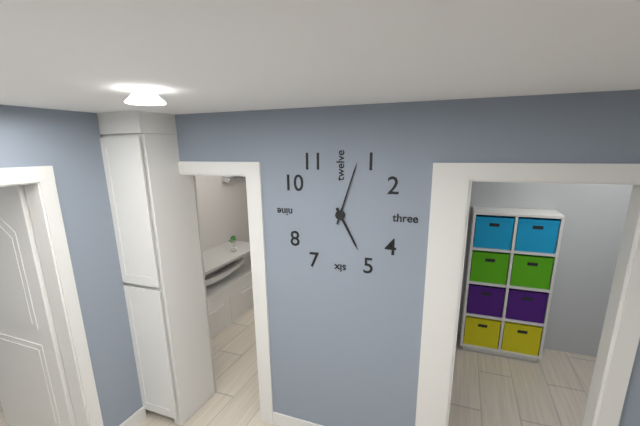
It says 5 h 03 min
